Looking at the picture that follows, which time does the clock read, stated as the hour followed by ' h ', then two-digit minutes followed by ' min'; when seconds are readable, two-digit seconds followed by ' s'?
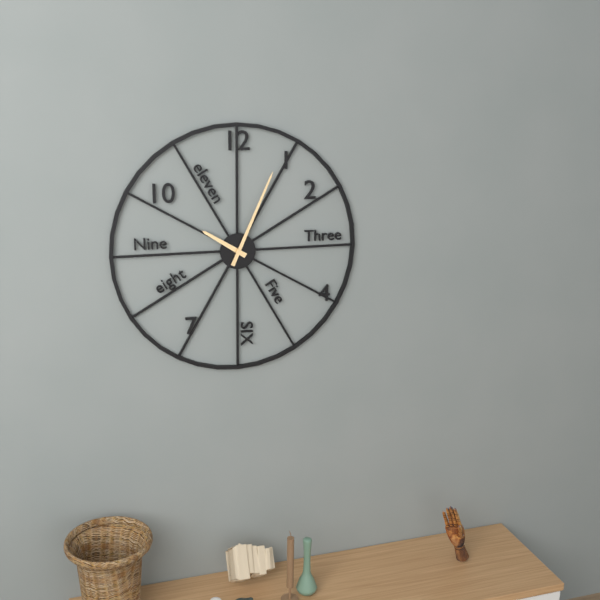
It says 10 h 04 min
